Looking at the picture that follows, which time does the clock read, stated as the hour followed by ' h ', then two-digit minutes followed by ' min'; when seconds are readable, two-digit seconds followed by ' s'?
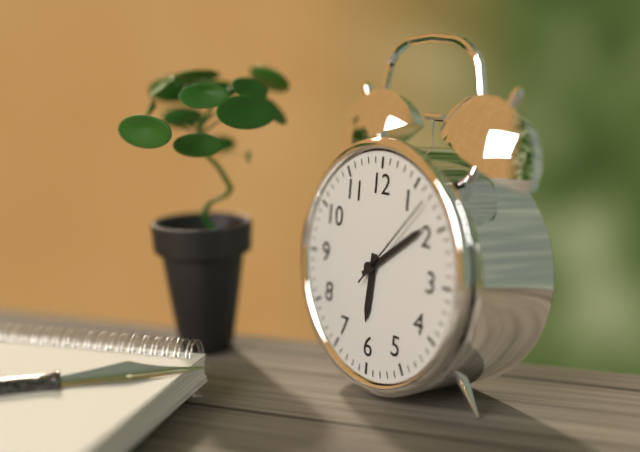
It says 6 h 09 min 07 s
